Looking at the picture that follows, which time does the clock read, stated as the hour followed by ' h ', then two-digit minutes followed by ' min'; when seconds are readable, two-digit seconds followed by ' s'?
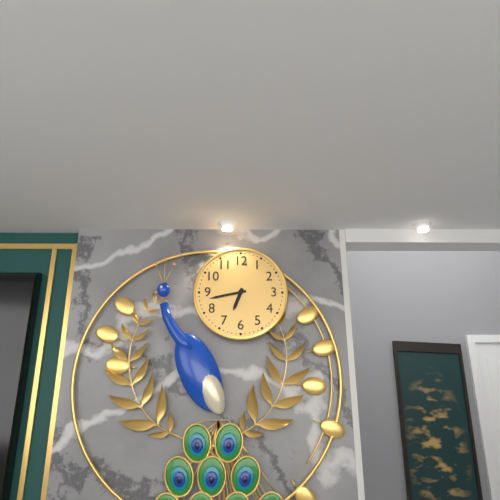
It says 6 h 43 min
